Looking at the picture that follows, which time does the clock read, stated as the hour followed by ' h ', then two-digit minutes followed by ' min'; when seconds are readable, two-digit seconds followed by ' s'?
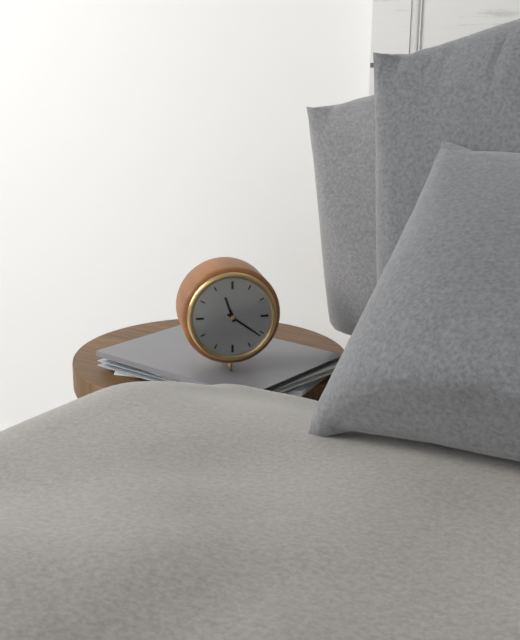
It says 11 h 21 min
